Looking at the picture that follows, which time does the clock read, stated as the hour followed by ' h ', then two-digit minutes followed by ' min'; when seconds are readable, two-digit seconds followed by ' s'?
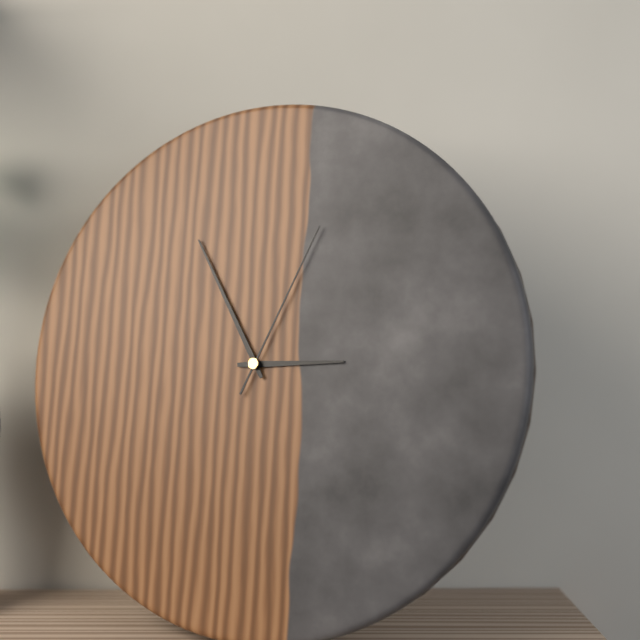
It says 2 h 55 min 04 s
